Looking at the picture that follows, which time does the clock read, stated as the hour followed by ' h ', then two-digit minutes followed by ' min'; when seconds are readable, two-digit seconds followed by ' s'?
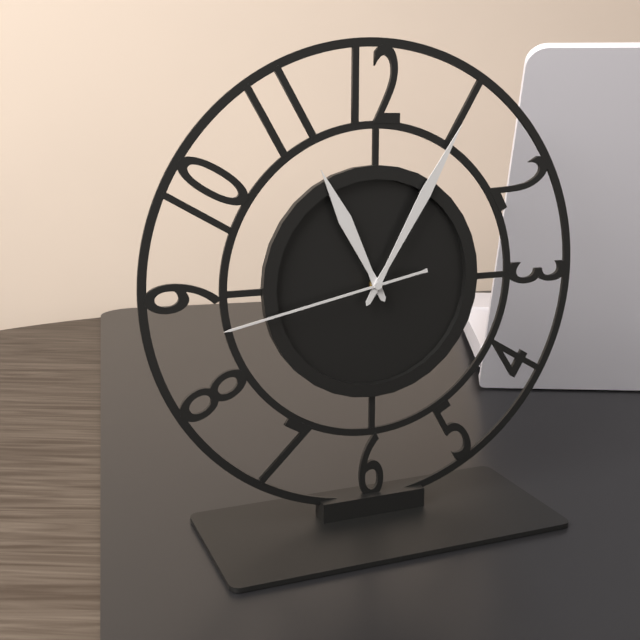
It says 11 h 05 min 43 s
